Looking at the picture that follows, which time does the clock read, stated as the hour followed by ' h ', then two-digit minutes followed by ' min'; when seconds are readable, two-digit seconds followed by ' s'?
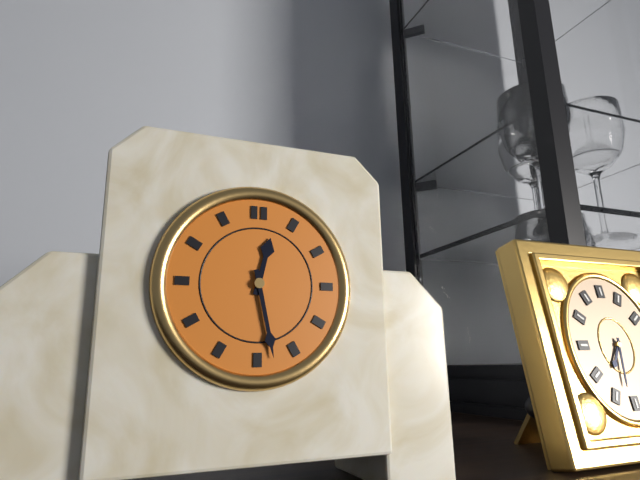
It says 12 h 28 min
